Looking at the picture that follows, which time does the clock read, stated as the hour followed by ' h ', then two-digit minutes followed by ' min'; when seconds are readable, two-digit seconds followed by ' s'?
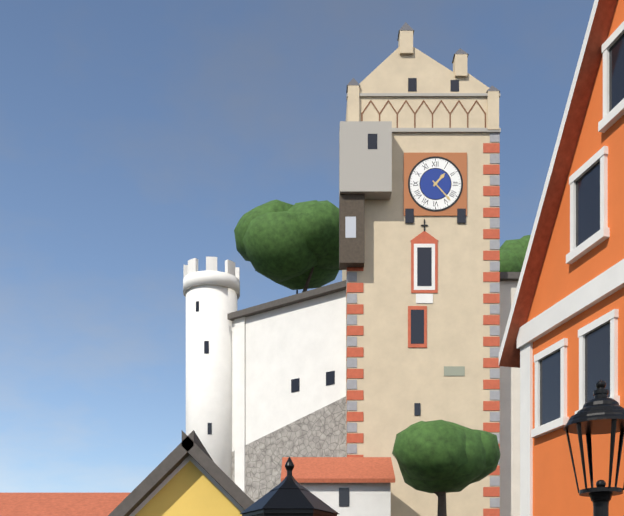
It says 1 h 23 min
